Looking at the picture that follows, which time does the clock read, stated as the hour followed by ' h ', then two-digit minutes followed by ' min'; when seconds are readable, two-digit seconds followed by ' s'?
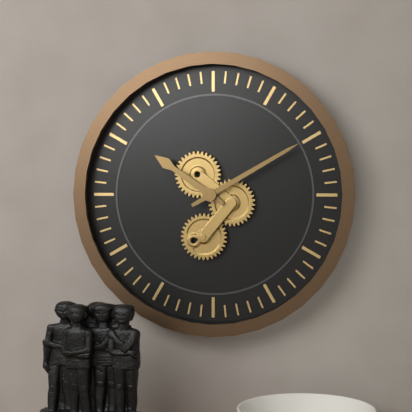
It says 10 h 10 min
